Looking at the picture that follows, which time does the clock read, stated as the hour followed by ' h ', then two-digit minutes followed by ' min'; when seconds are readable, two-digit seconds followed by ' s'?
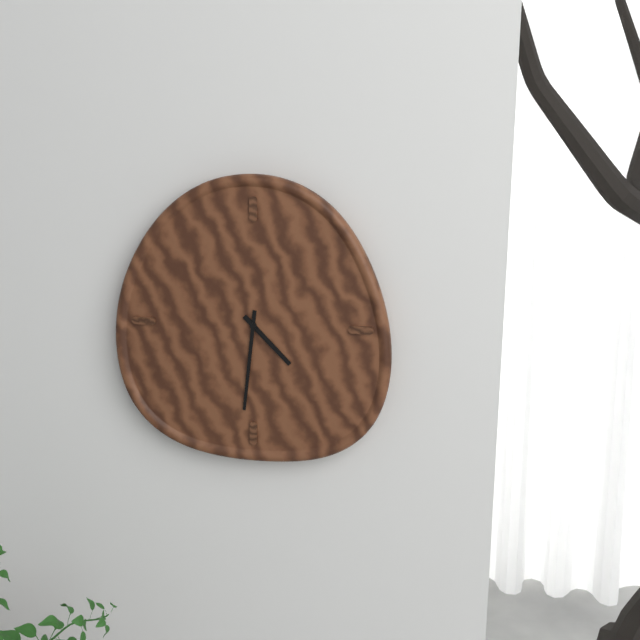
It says 4 h 31 min
